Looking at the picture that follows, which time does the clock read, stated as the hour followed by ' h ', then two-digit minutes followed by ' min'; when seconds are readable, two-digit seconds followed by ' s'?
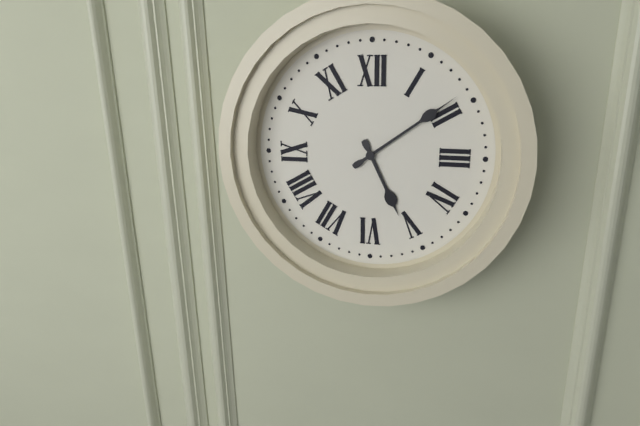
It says 5 h 09 min
